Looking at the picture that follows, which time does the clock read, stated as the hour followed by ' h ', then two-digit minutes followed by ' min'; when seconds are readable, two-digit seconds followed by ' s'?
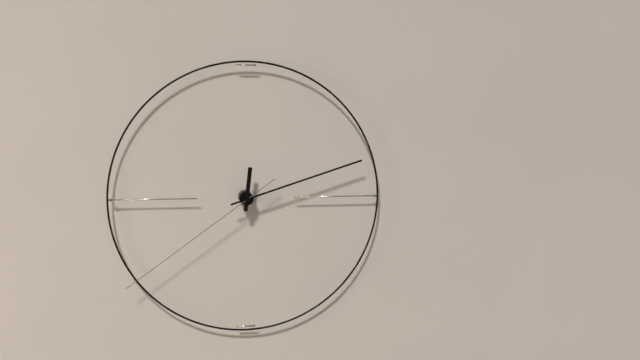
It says 12 h 12 min 39 s
